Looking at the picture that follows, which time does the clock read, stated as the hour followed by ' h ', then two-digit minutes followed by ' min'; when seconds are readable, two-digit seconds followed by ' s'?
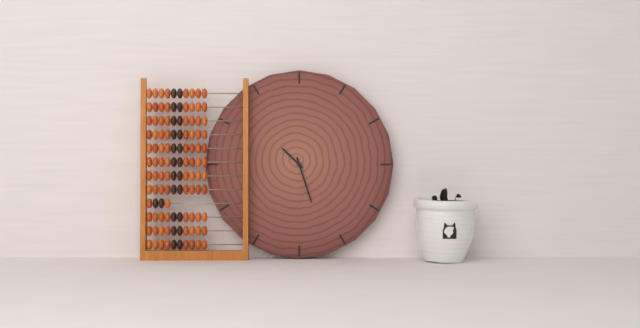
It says 10 h 27 min
